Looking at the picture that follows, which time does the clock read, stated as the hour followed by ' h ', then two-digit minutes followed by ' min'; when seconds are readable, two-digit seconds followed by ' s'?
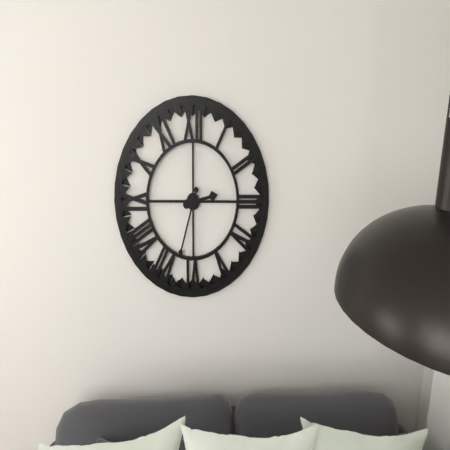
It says 2 h 33 min
